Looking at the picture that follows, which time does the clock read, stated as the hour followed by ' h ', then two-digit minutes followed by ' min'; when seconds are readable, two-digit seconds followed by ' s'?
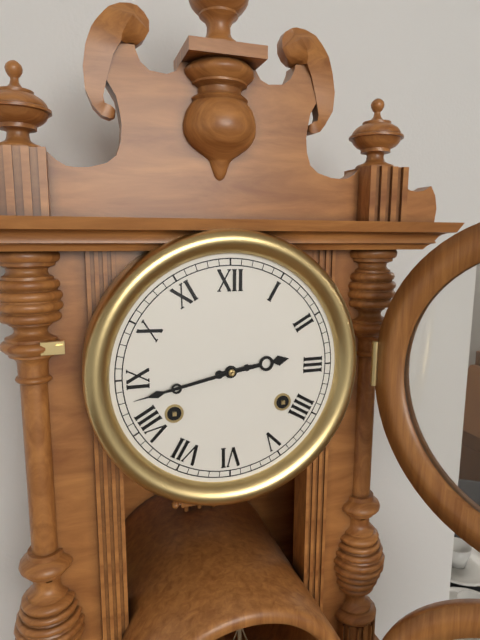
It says 2 h 43 min
